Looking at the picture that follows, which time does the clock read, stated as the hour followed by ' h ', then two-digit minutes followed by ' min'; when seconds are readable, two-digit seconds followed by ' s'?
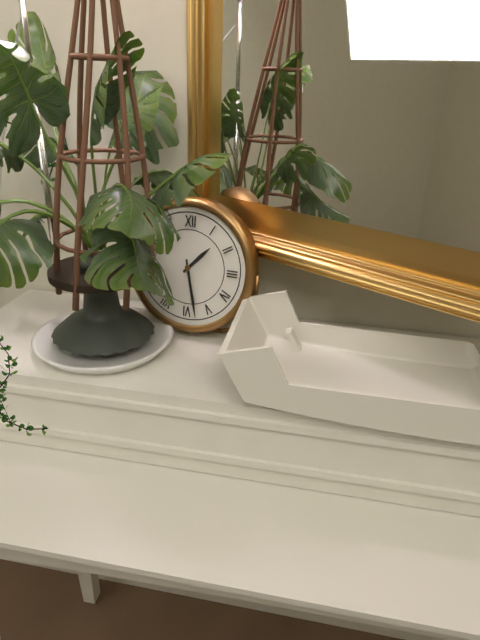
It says 1 h 28 min
